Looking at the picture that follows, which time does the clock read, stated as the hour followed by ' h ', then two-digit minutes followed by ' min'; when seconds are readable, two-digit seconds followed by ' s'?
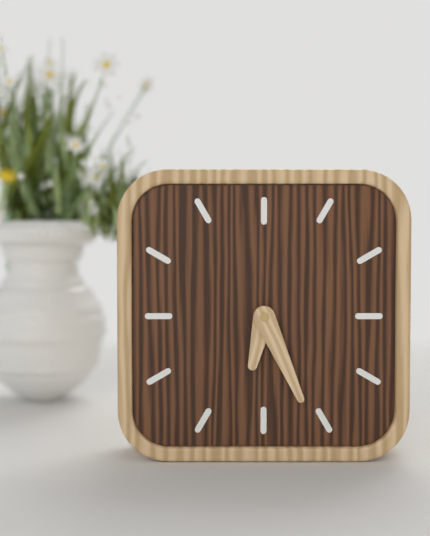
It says 6 h 26 min
